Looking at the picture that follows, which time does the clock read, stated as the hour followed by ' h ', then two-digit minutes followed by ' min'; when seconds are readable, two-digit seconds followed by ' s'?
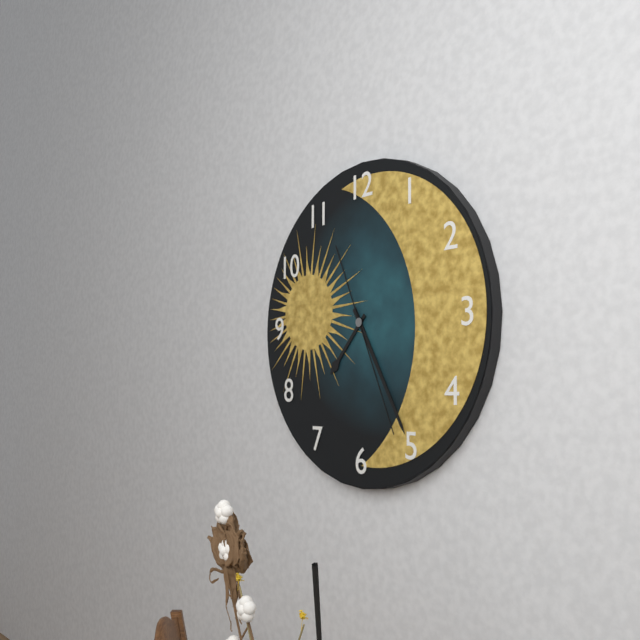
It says 7 h 25 min 26 s
